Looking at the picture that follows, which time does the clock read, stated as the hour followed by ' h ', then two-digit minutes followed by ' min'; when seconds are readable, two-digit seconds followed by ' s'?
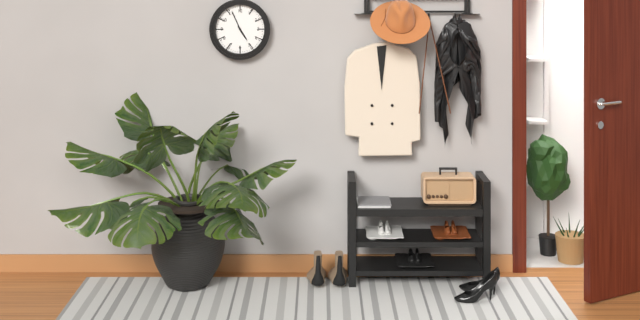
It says 4 h 56 min
